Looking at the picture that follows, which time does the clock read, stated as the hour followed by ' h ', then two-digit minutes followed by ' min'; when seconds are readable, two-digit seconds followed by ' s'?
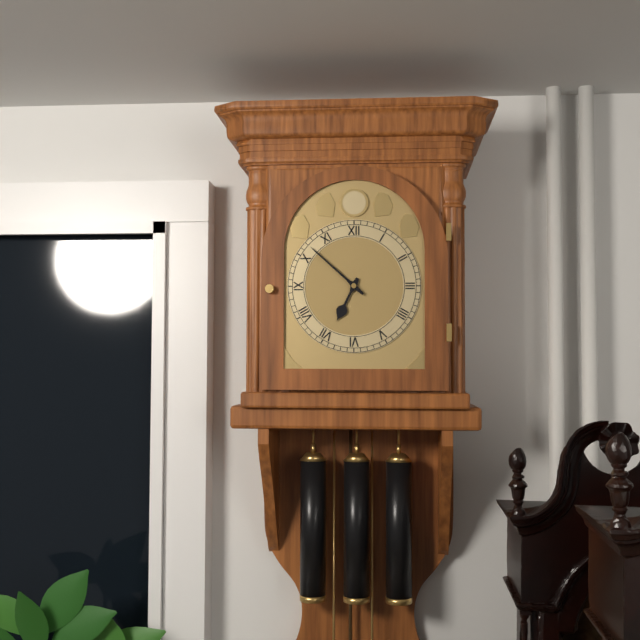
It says 6 h 52 min
